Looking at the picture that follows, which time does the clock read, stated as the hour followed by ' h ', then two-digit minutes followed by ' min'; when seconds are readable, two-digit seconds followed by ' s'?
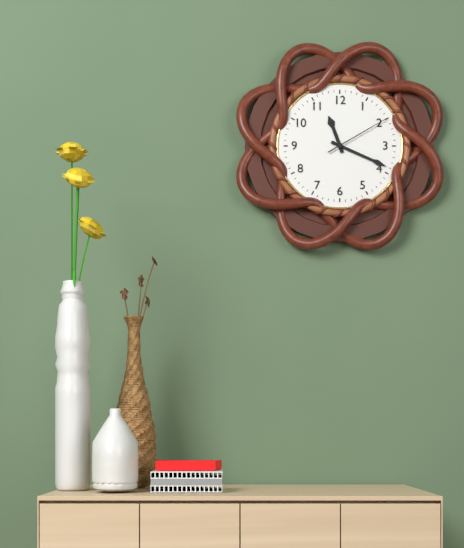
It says 11 h 19 min 10 s
